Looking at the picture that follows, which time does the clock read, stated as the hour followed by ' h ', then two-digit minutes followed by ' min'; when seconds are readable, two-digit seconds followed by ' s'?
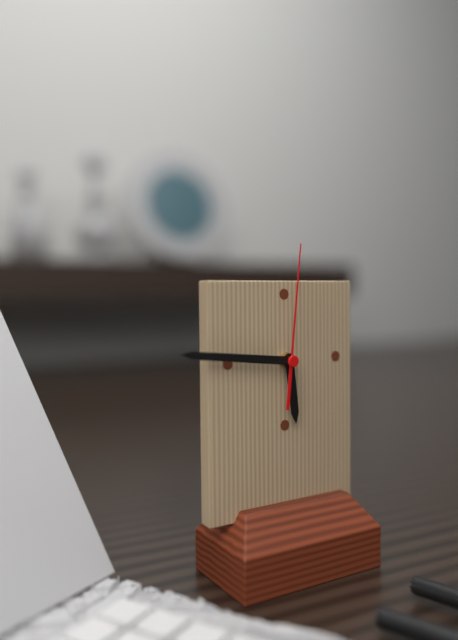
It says 5 h 46 min 01 s
